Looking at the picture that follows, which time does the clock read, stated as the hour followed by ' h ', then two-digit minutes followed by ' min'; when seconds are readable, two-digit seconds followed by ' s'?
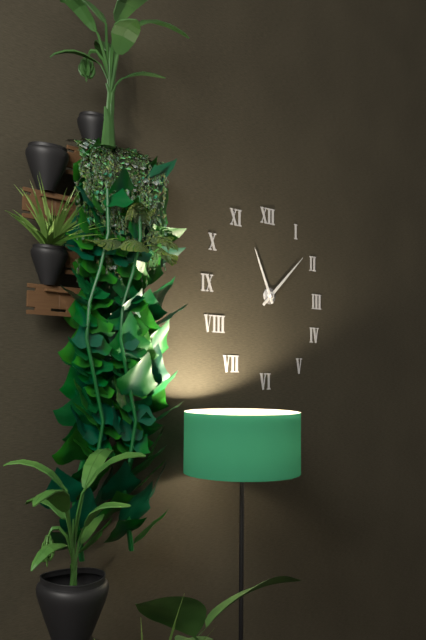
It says 11 h 08 min
